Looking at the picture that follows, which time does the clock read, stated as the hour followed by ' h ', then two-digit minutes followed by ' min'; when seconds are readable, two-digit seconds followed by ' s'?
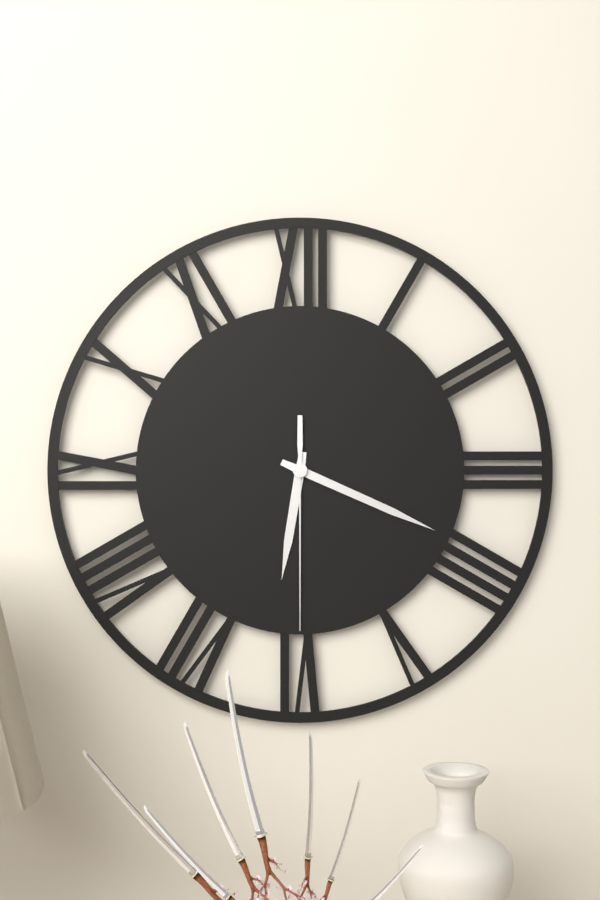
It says 6 h 19 min 30 s
